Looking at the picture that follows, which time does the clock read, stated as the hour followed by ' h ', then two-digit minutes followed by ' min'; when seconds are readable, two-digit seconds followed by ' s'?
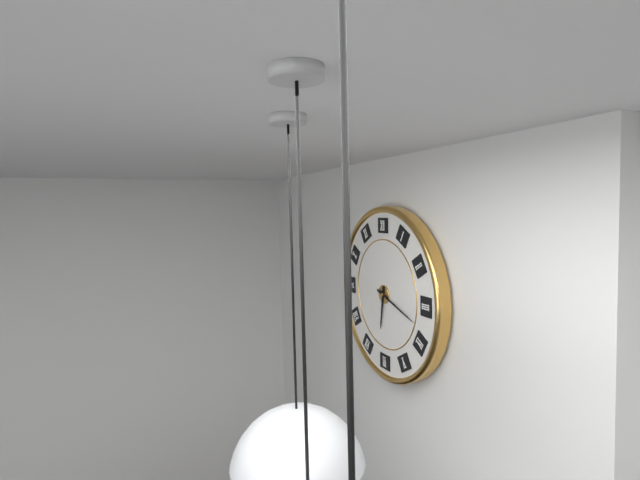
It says 6 h 18 min
